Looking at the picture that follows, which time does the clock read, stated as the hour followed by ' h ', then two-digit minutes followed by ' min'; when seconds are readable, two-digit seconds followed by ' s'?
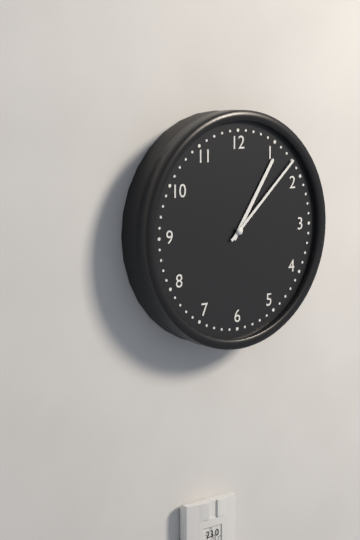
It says 1 h 08 min
